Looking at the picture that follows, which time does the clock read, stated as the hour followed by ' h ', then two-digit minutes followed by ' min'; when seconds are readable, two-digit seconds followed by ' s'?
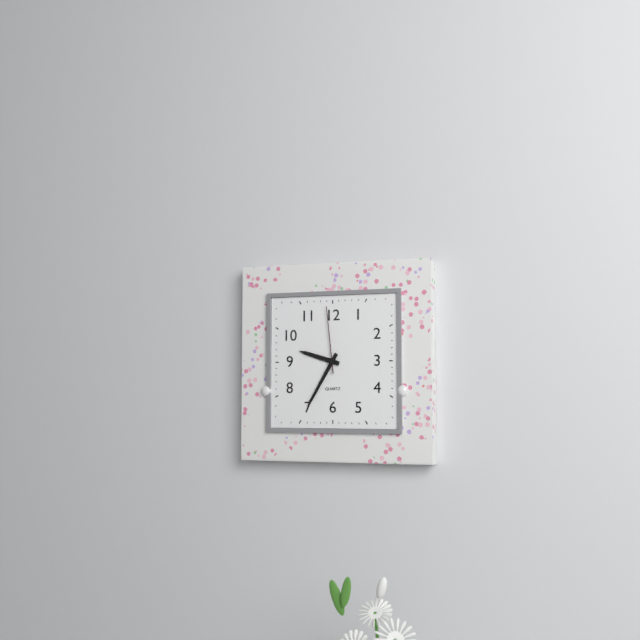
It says 9 h 35 min 59 s
